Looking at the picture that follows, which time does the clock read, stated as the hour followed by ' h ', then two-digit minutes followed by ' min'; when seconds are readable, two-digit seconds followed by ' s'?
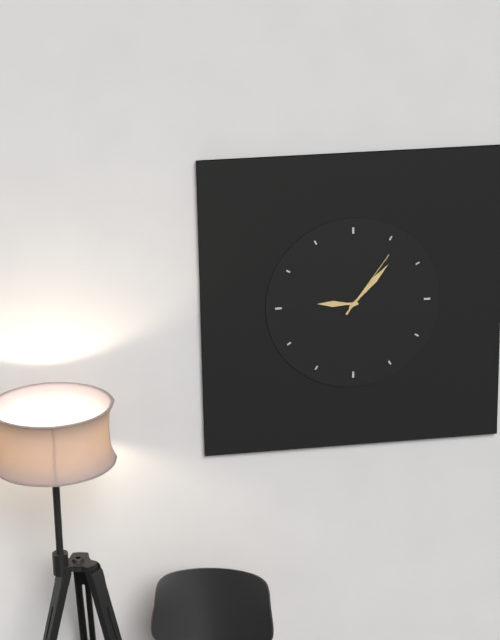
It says 9 h 07 min 06 s
